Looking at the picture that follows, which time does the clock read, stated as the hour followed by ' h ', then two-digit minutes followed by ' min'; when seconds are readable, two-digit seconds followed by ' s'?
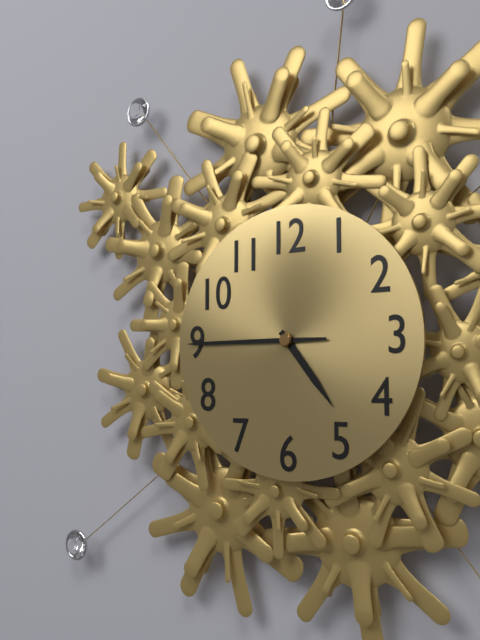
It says 4 h 45 min
